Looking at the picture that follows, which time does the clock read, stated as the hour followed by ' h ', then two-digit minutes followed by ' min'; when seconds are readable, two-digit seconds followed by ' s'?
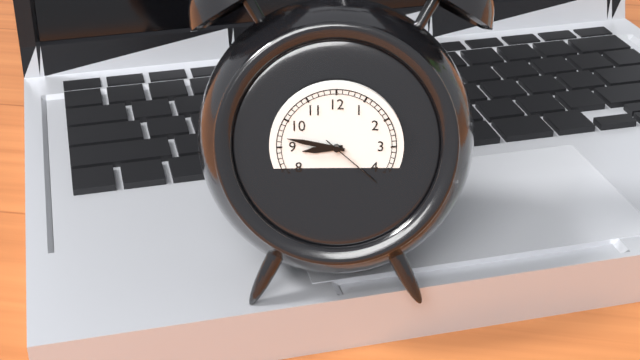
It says 8 h 47 min 22 s
